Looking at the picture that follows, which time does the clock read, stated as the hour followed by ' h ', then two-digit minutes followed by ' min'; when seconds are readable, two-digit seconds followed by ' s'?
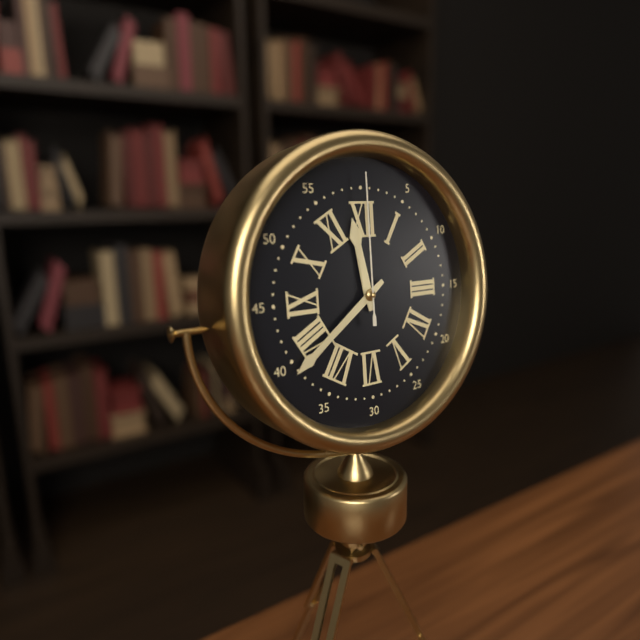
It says 11 h 39 min 00 s
